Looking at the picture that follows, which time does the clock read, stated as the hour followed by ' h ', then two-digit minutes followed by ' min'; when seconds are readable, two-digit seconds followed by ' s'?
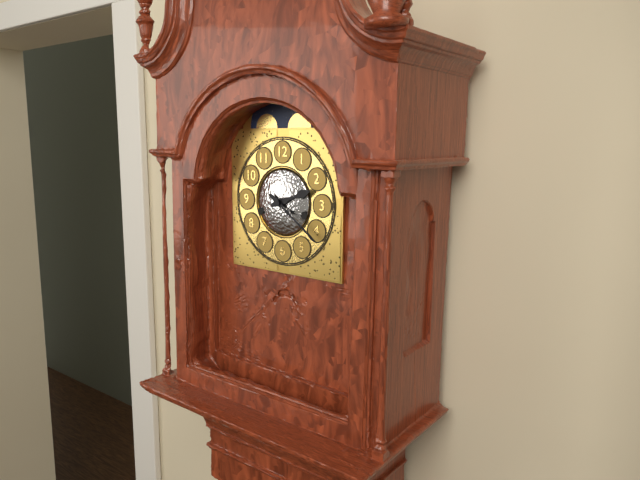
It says 2 h 21 min
